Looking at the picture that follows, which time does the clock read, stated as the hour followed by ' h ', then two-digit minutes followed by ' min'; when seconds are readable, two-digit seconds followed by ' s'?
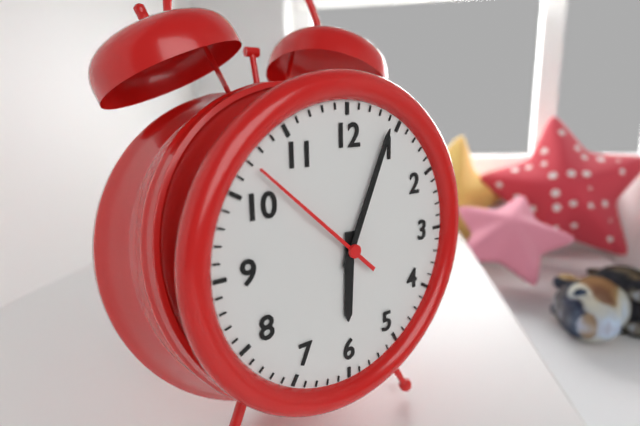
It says 6 h 04 min 52 s
